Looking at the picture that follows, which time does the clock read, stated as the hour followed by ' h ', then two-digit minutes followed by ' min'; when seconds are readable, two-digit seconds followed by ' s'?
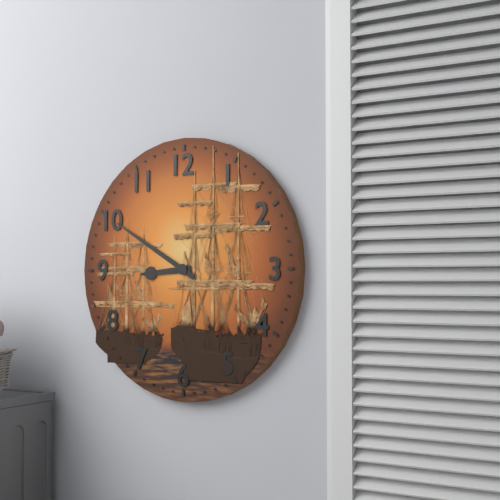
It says 8 h 50 min
